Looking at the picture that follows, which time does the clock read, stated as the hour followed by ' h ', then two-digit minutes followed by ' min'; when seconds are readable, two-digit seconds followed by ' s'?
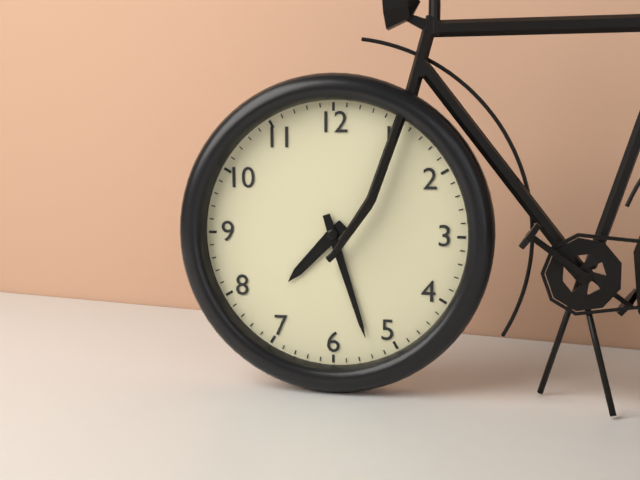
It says 7 h 27 min
